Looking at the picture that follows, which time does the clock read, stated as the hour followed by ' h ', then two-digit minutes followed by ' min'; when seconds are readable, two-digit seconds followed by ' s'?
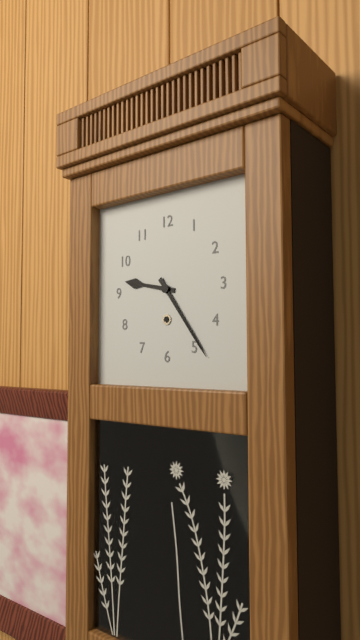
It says 9 h 24 min
